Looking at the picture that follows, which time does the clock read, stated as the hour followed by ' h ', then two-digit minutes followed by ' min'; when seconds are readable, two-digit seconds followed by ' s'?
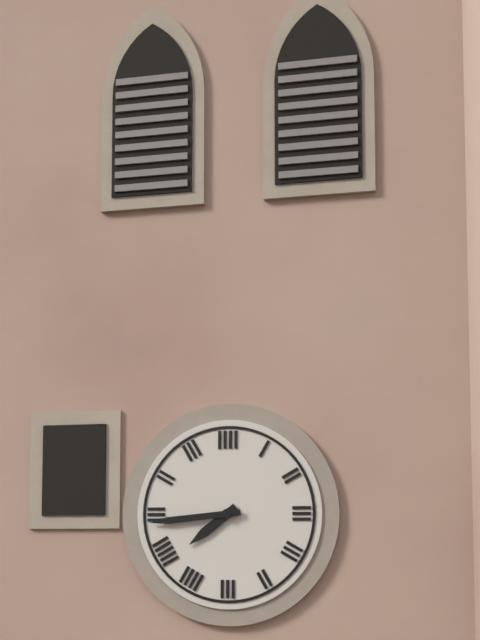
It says 7 h 44 min
